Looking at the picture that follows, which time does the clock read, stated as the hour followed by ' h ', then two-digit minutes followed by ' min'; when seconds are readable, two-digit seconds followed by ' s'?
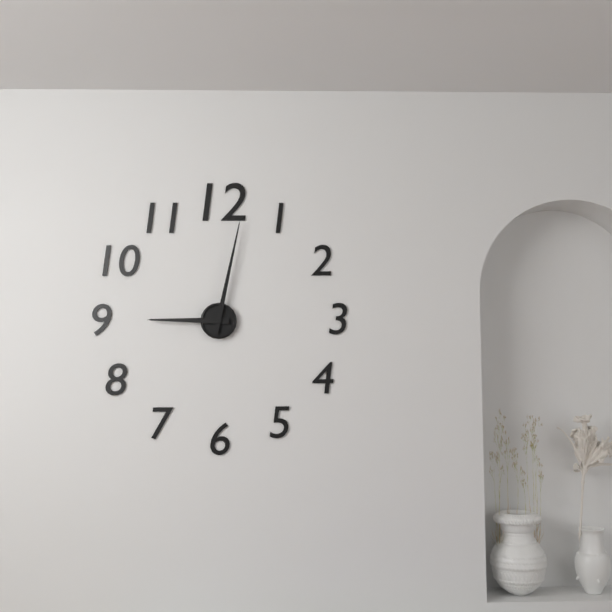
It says 9 h 02 min
